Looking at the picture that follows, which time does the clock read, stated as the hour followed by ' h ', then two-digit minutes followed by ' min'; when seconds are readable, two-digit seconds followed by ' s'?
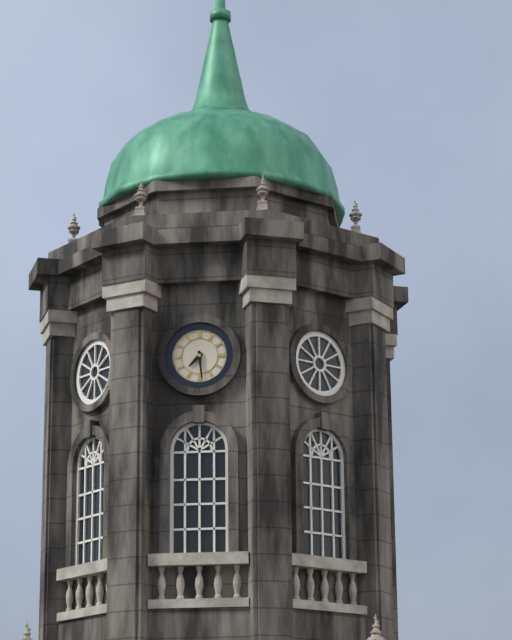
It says 7 h 29 min
